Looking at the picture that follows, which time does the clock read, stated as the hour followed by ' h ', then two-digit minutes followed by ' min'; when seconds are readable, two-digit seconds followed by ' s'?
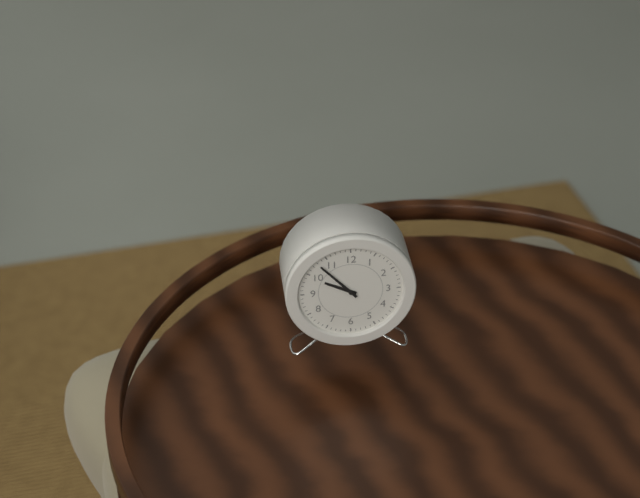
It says 9 h 53 min
